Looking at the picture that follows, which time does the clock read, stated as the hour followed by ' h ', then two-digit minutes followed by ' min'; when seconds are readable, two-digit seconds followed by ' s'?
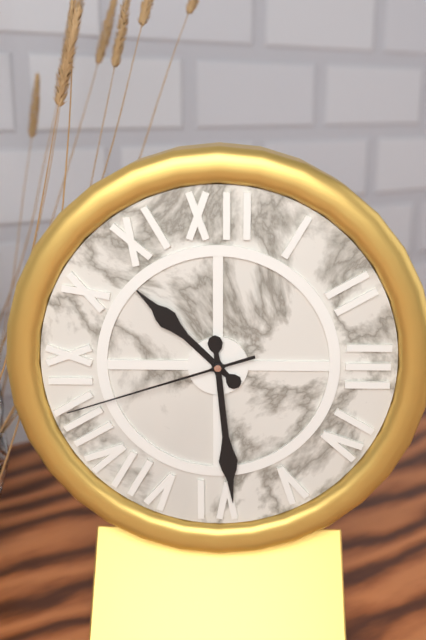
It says 10 h 29 min 42 s
